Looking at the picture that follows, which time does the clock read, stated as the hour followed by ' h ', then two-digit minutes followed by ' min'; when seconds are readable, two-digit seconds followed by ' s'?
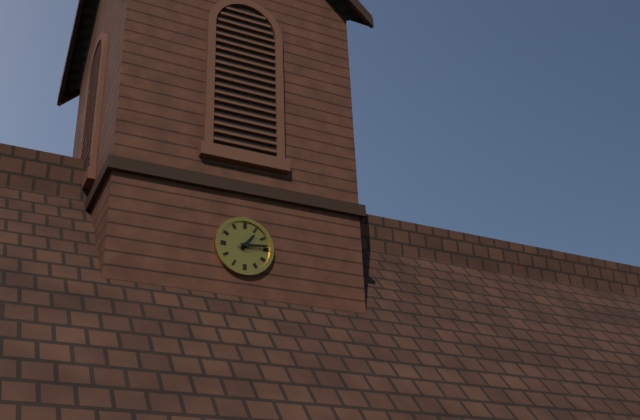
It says 1 h 14 min
